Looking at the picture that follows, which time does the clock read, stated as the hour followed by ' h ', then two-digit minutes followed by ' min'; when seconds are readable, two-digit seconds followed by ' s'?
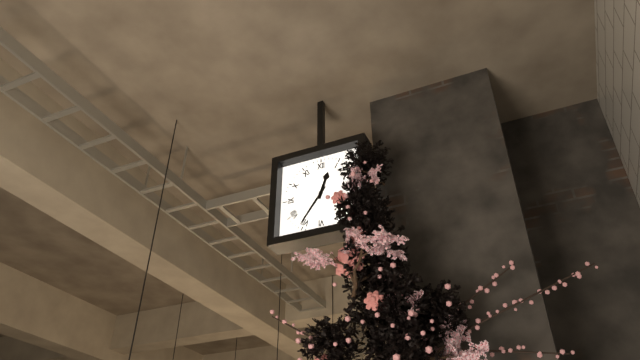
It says 12 h 36 min
